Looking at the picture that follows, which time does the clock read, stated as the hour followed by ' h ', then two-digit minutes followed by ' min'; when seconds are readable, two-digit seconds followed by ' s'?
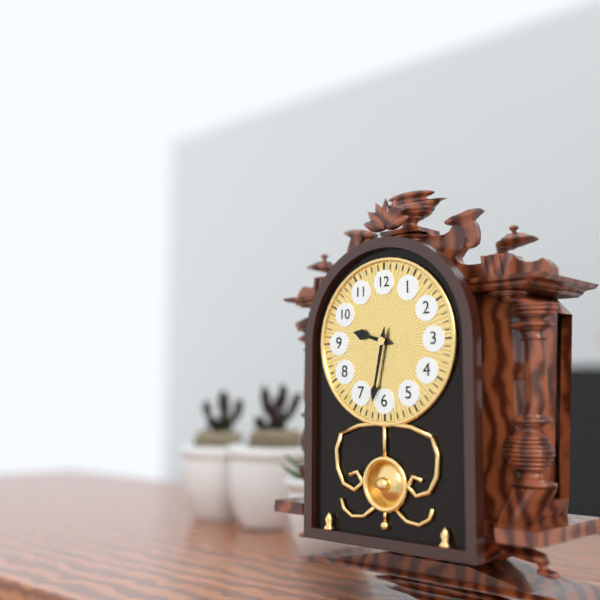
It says 9 h 32 min
